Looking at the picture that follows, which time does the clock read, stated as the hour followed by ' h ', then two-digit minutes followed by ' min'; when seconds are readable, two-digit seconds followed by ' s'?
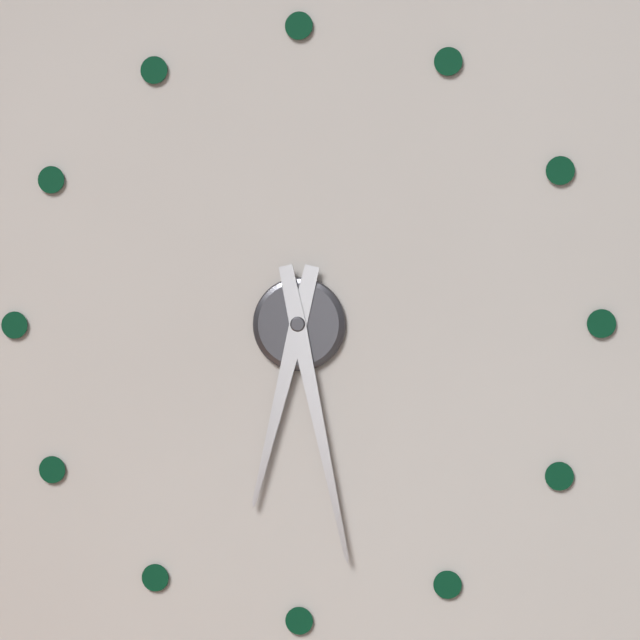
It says 6 h 28 min
